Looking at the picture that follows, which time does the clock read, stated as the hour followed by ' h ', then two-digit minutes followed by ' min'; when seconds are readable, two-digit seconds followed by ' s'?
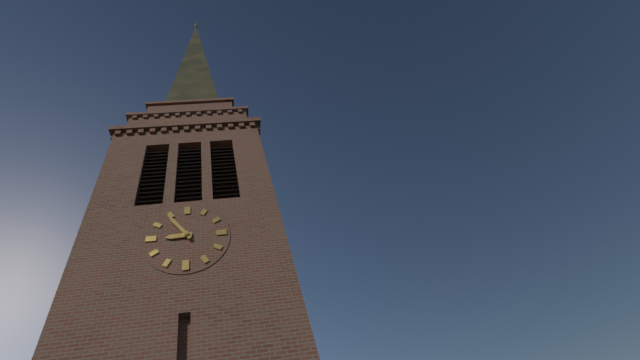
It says 8 h 54 min
